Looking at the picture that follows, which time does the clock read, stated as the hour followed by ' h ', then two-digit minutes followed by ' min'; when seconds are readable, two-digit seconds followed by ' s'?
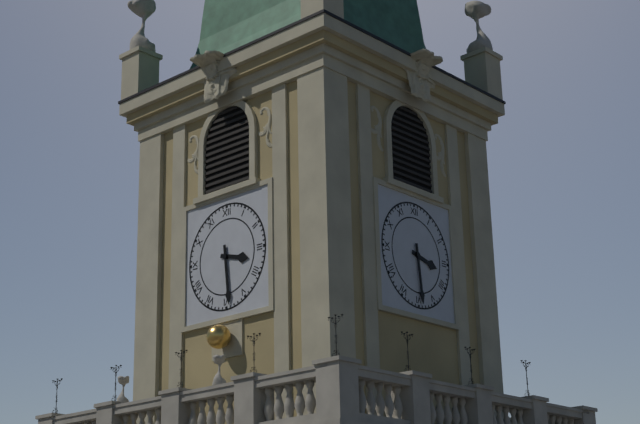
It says 3 h 29 min
